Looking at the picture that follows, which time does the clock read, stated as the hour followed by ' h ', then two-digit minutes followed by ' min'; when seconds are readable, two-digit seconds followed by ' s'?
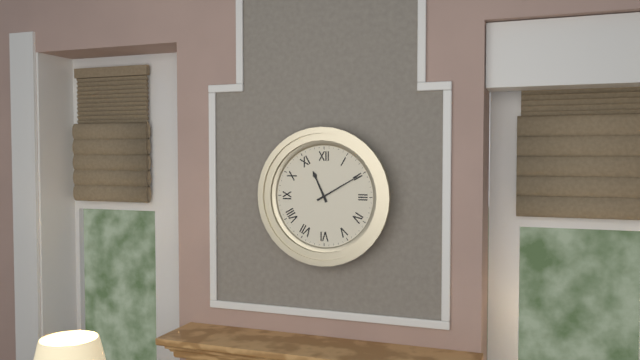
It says 11 h 10 min
